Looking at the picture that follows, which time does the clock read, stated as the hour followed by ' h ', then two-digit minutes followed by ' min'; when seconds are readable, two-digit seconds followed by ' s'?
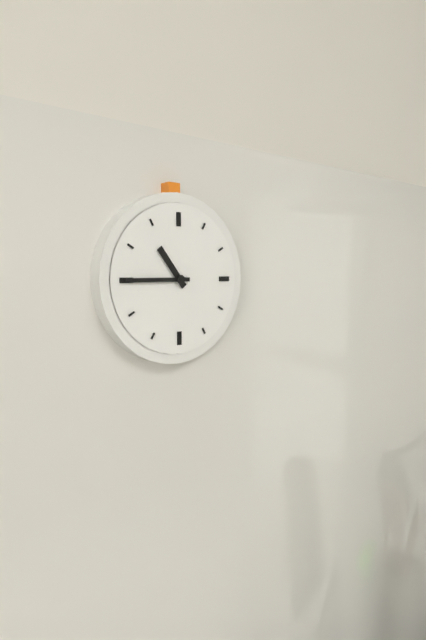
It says 10 h 45 min
